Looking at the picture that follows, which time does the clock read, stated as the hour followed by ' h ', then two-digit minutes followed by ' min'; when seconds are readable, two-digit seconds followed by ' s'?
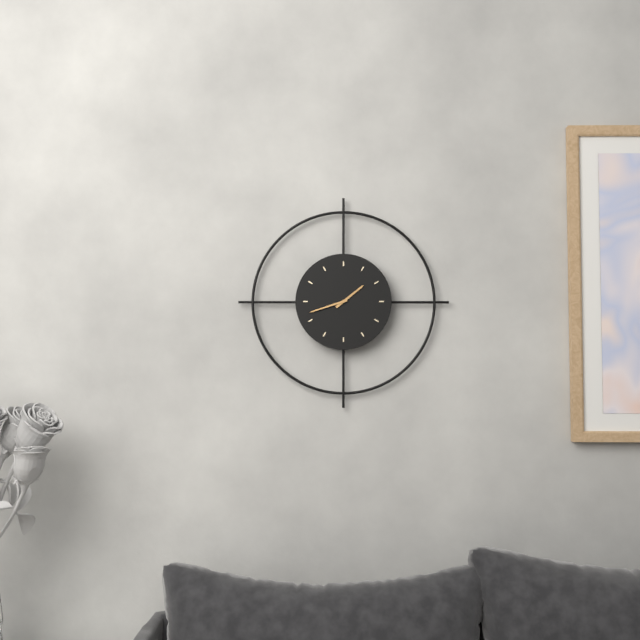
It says 1 h 42 min
